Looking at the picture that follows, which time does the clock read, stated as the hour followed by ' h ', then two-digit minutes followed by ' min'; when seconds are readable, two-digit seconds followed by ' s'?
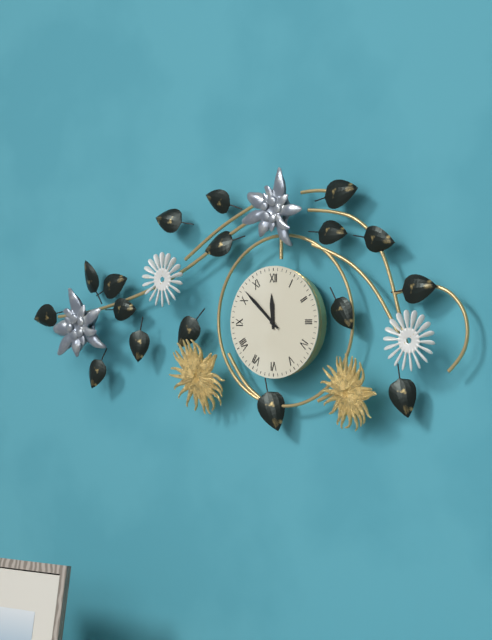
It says 11 h 52 min
